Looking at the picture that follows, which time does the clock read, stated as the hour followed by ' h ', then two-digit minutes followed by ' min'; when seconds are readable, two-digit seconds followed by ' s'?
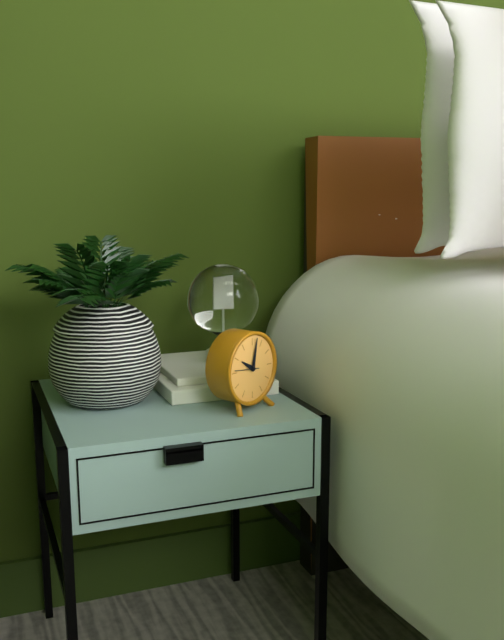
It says 10 h 02 min
